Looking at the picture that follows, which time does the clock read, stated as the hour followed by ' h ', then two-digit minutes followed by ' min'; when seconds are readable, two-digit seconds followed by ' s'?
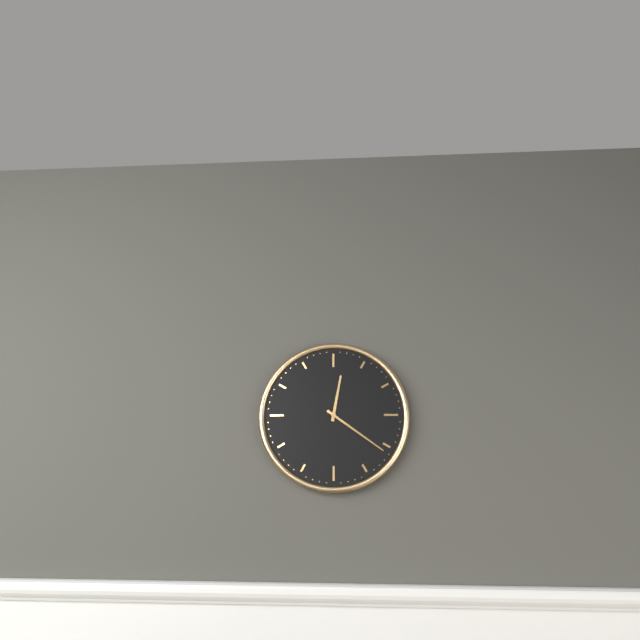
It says 12 h 21 min
